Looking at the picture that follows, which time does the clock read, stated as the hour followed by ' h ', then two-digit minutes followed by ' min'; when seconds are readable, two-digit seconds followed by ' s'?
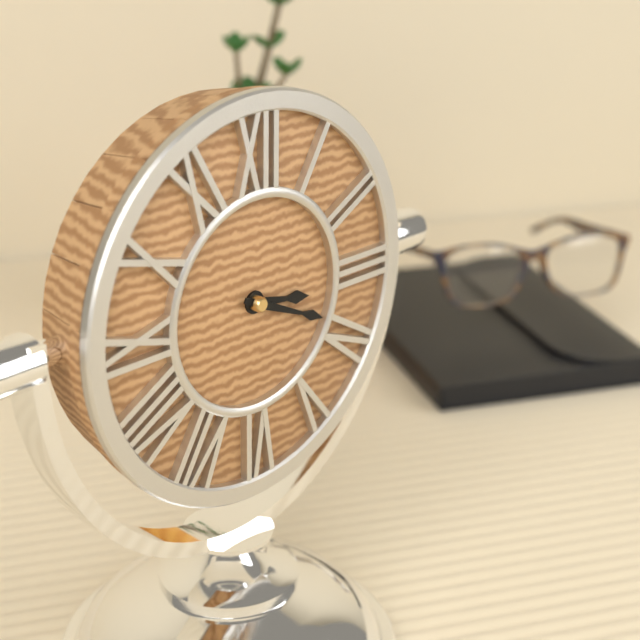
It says 3 h 19 min
